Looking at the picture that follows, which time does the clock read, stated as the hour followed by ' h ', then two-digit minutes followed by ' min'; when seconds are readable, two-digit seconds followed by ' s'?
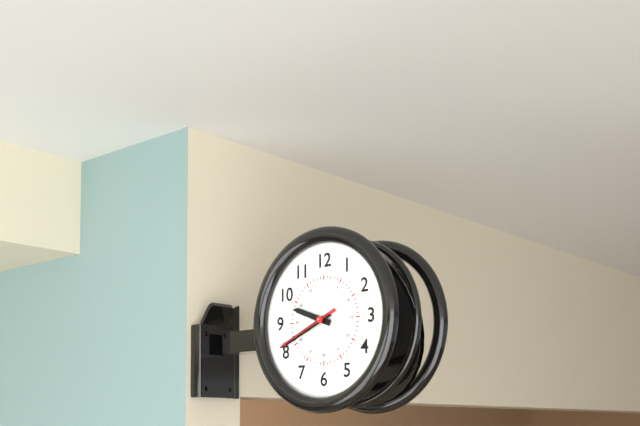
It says 9 h 41 min 41 s
